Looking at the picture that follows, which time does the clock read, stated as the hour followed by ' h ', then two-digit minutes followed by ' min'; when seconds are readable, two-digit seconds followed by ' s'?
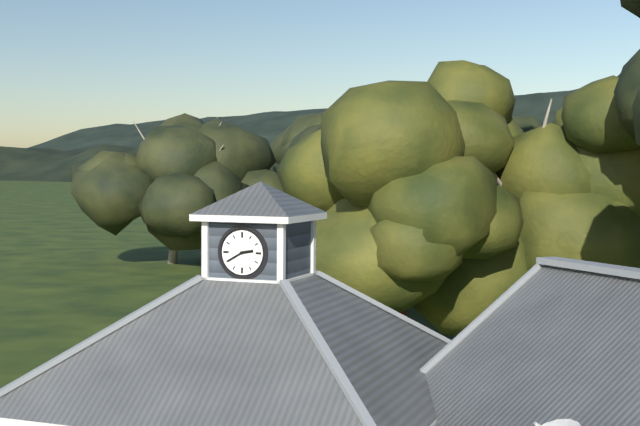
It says 2 h 40 min
